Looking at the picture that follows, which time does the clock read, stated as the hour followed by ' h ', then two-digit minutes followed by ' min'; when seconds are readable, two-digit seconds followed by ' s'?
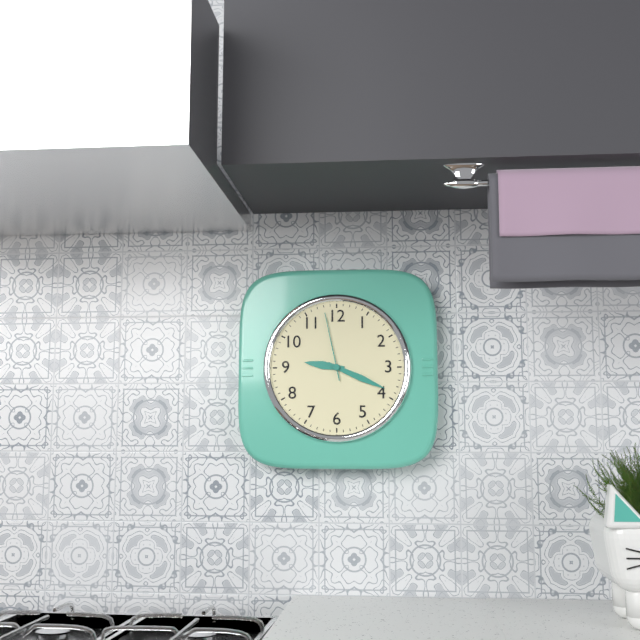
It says 9 h 19 min 58 s
